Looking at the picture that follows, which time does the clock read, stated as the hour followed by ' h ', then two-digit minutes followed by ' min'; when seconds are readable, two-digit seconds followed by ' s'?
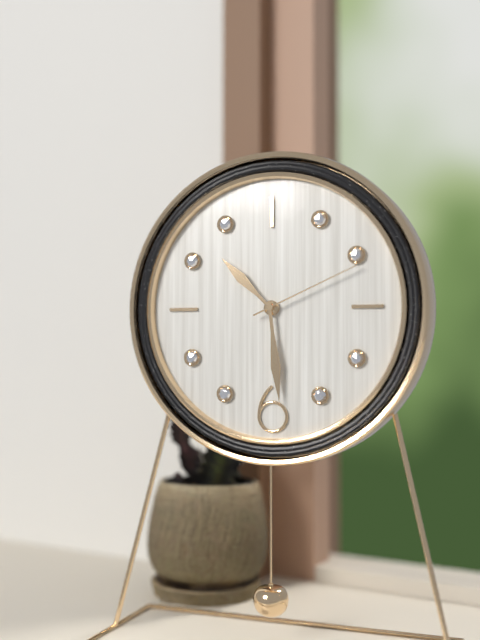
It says 10 h 29 min 11 s
